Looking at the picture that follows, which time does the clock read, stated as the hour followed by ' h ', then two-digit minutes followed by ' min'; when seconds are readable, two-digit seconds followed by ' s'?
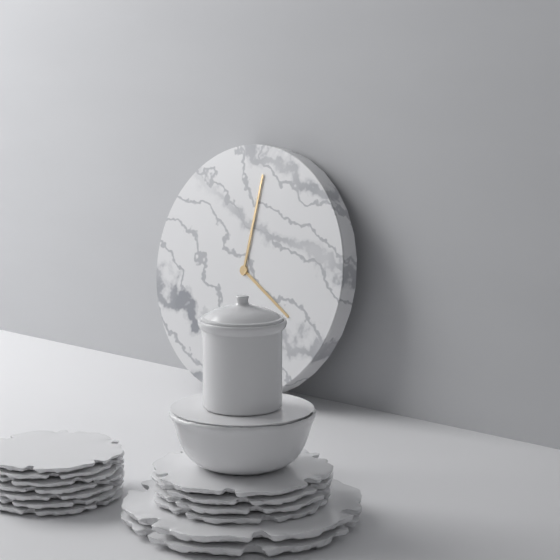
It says 4 h 01 min
